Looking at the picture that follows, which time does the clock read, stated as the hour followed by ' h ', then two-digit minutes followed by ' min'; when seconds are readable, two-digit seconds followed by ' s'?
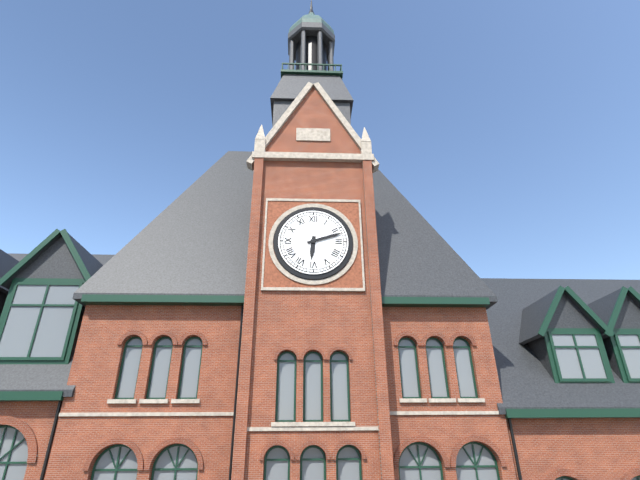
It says 6 h 12 min
